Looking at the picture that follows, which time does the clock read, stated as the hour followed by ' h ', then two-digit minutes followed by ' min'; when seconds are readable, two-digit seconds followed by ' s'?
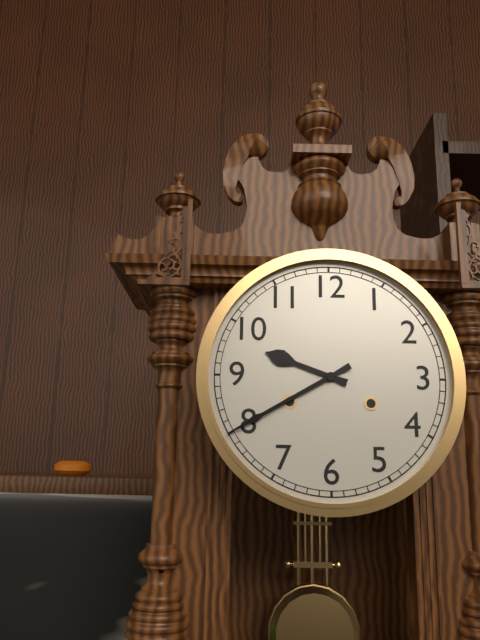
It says 9 h 40 min
